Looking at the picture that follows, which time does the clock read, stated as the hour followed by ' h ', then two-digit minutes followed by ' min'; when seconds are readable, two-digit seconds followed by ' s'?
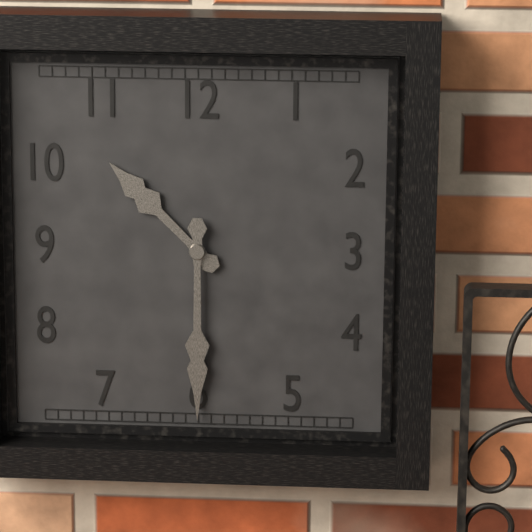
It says 10 h 30 min
